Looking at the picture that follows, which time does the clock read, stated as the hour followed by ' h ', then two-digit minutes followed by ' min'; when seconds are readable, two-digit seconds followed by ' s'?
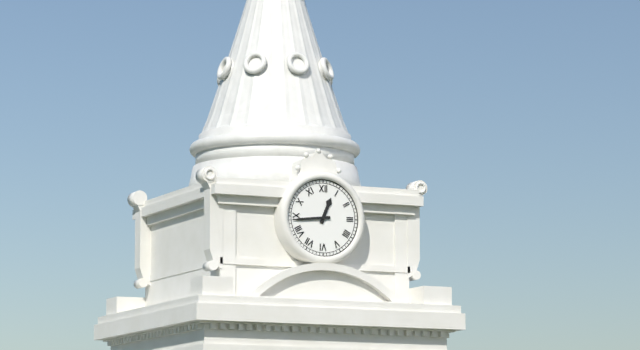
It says 12 h 44 min
